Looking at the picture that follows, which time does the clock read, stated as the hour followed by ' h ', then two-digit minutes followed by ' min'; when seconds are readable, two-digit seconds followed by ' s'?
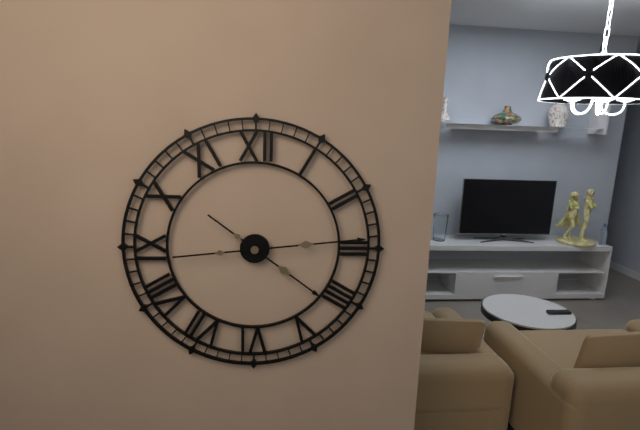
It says 4 h 14 min
